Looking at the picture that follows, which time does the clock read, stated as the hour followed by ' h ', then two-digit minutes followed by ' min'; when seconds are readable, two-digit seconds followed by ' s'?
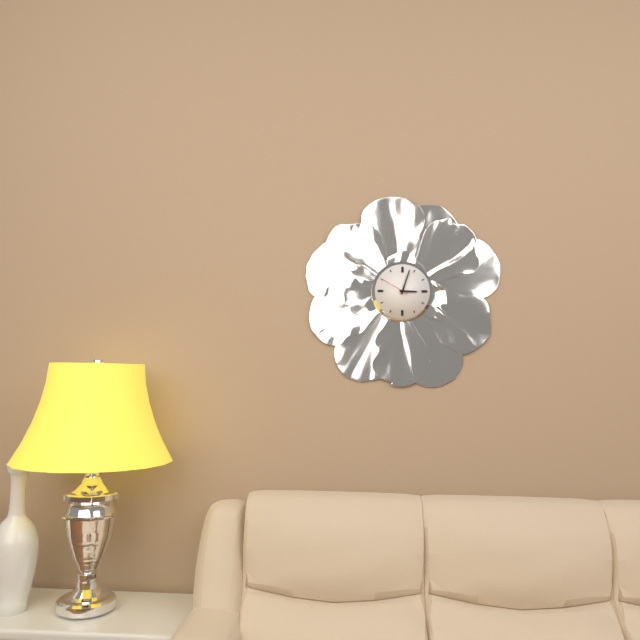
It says 3 h 03 min
